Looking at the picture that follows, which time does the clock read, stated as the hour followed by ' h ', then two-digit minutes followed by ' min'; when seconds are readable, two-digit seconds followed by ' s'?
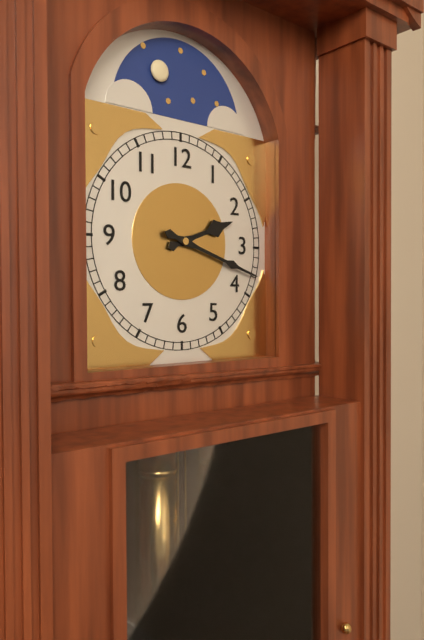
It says 2 h 18 min
